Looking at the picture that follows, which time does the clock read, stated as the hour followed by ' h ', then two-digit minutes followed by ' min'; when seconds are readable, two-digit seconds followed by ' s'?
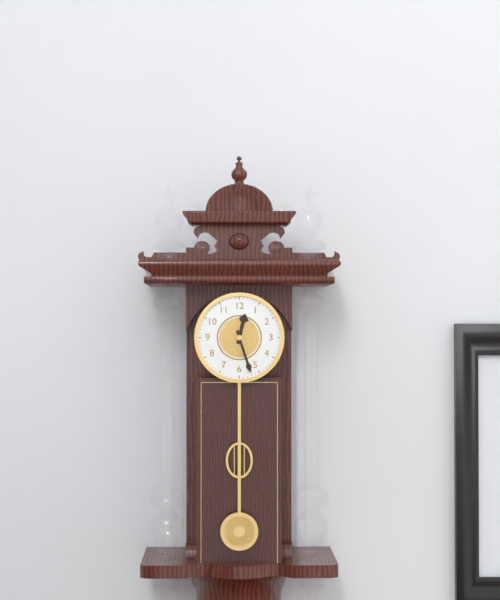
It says 12 h 27 min
